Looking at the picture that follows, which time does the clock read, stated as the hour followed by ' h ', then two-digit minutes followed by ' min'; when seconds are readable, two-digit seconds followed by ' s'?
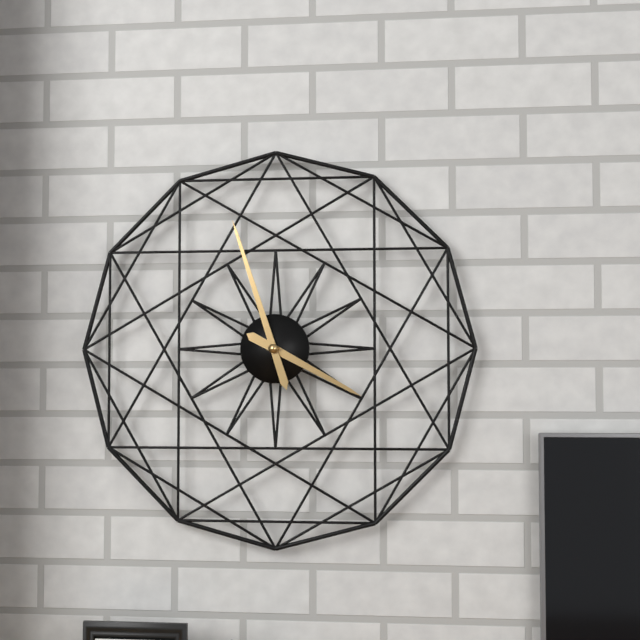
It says 3 h 57 min
